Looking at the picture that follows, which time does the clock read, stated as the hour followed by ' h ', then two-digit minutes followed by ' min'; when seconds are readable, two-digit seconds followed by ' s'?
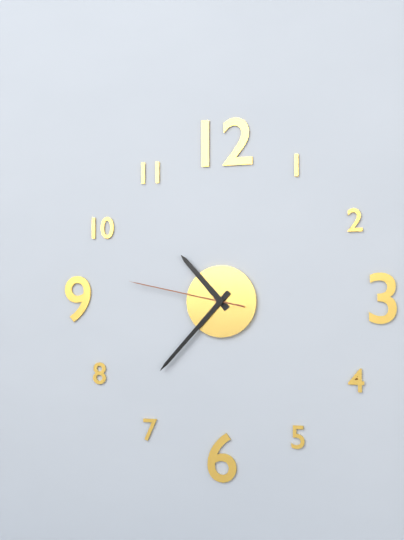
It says 10 h 37 min 47 s
